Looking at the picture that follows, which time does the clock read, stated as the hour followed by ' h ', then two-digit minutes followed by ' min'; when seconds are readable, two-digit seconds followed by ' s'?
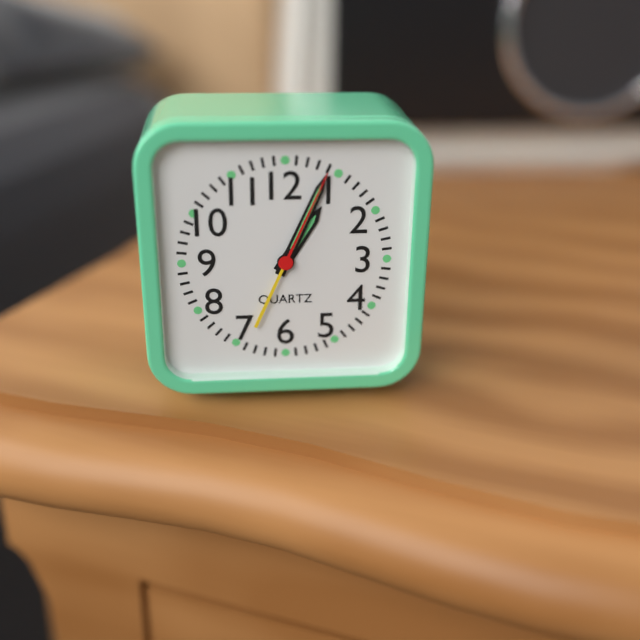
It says 1 h 04 min 04 s
